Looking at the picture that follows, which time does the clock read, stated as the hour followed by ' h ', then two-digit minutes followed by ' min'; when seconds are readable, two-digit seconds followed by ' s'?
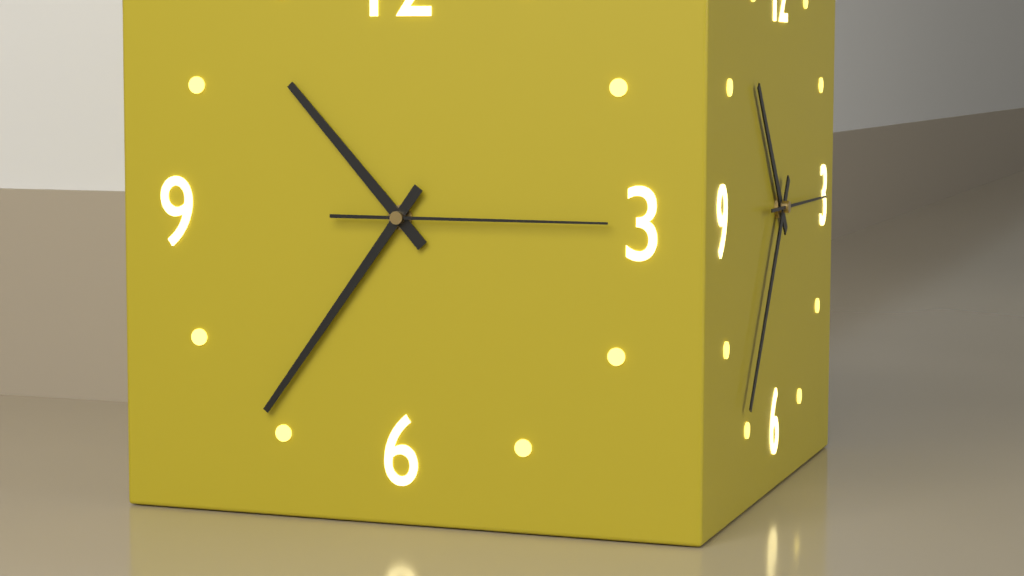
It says 10 h 36 min 15 s
